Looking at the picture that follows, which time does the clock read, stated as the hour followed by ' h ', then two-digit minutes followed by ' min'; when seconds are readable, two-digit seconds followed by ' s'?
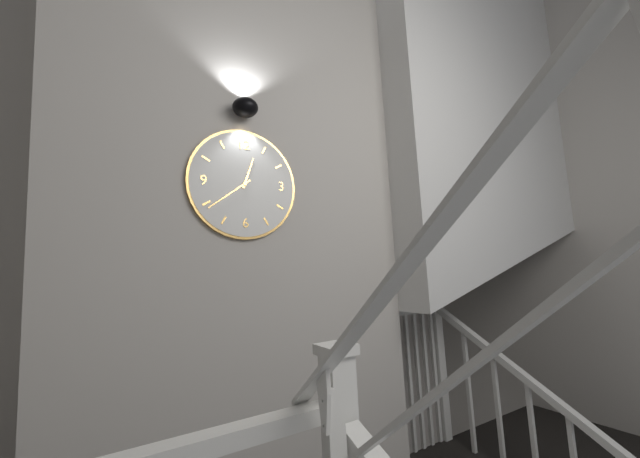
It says 12 h 39 min
